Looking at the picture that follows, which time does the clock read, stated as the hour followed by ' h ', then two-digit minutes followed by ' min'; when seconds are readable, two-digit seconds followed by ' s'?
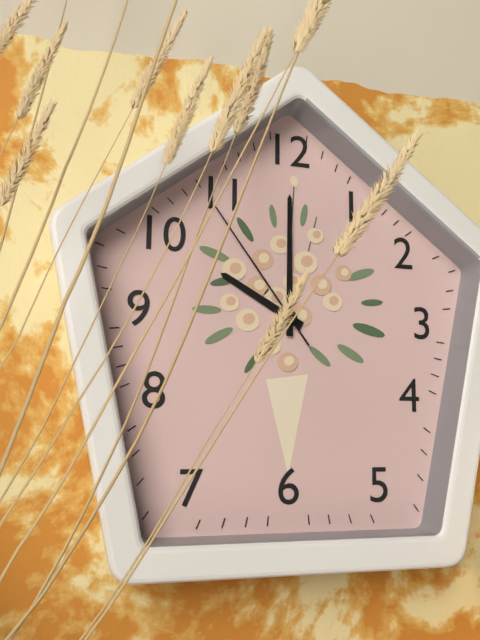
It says 10 h 00 min 54 s
